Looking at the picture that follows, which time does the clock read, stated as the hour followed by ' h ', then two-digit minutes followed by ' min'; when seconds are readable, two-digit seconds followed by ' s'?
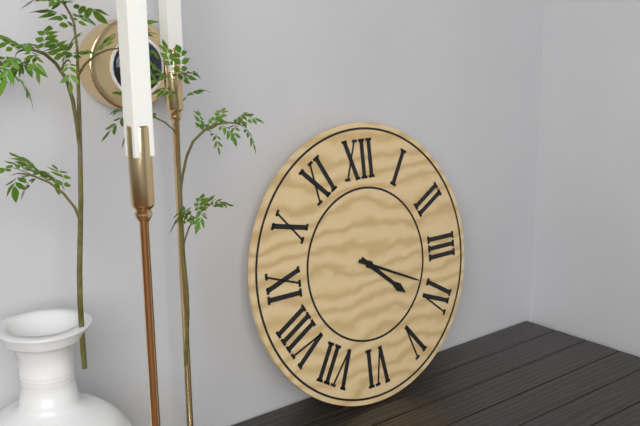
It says 4 h 19 min
